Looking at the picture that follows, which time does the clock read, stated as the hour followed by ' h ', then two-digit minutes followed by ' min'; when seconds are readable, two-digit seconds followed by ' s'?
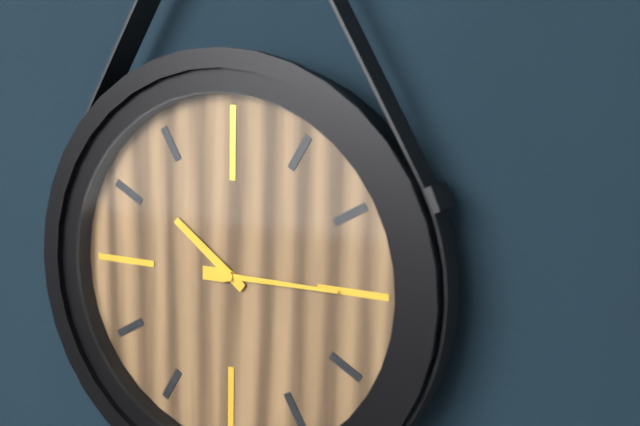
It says 10 h 15 min
